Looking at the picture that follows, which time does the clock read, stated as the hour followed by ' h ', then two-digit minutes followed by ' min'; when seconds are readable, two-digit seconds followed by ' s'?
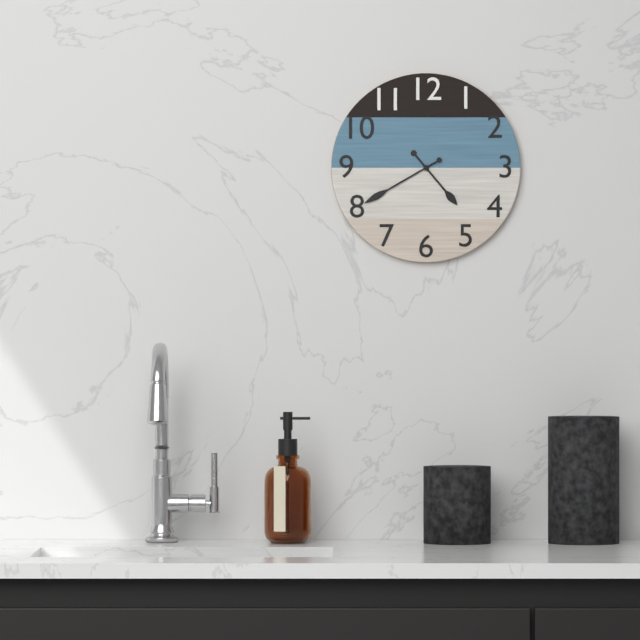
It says 4 h 40 min
